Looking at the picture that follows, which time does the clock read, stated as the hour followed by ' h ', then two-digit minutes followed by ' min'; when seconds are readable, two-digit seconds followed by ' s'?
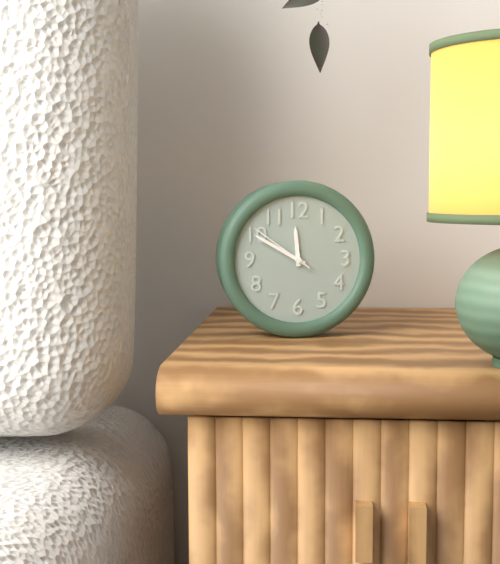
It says 11 h 50 min 51 s
